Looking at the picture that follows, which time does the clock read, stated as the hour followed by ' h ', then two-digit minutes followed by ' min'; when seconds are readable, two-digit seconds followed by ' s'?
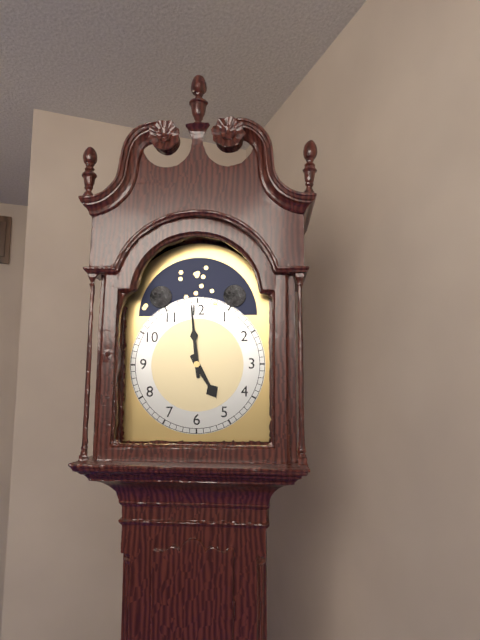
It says 4 h 59 min
